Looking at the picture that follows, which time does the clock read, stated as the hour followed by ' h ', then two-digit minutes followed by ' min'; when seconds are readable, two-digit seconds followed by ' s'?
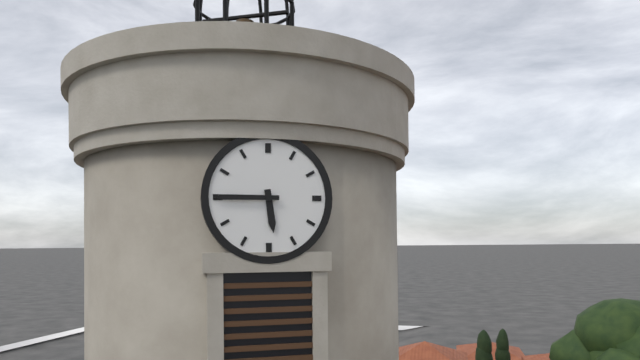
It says 5 h 45 min
